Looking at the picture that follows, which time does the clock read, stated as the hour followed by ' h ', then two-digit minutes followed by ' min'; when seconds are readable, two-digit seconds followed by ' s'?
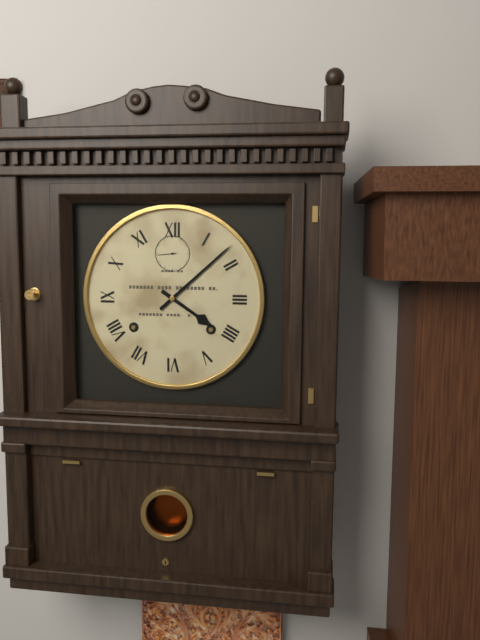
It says 4 h 08 min
